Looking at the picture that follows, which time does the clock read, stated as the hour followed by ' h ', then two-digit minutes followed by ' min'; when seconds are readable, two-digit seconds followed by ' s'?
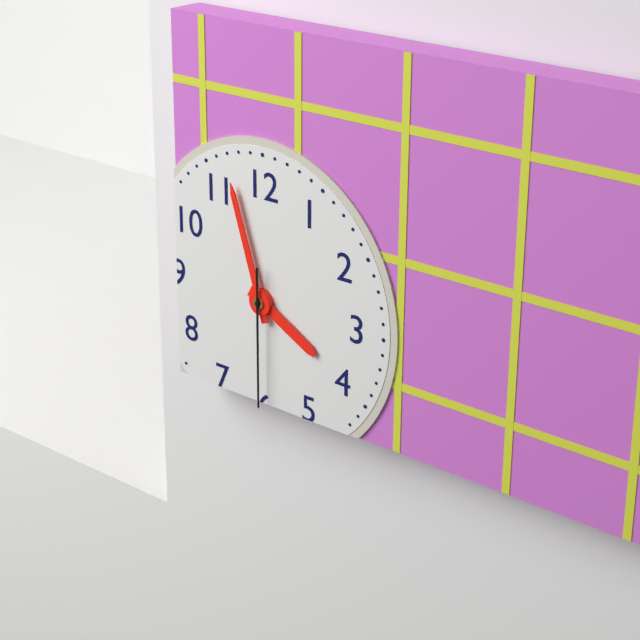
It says 3 h 57 min 30 s
